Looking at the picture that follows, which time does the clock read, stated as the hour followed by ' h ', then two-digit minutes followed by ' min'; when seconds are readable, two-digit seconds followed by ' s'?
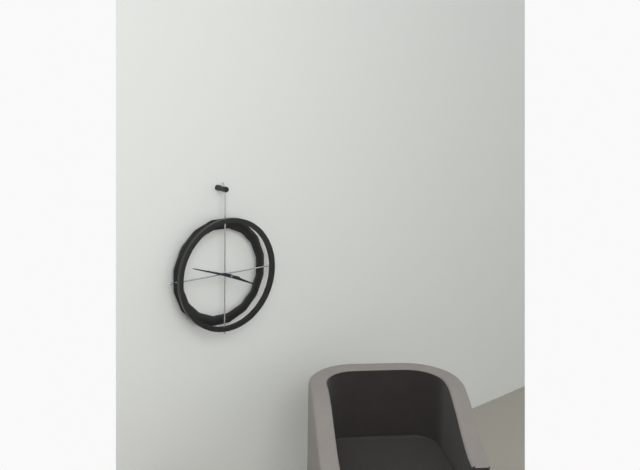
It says 3 h 48 min
